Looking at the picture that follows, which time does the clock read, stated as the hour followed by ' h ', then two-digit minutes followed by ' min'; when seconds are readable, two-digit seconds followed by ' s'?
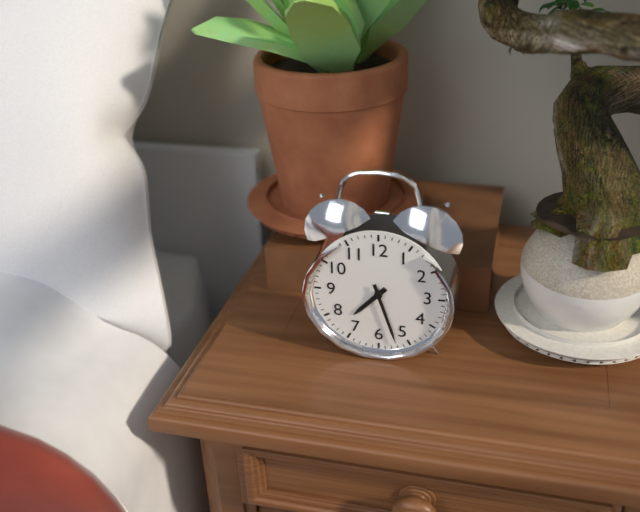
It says 7 h 27 min
